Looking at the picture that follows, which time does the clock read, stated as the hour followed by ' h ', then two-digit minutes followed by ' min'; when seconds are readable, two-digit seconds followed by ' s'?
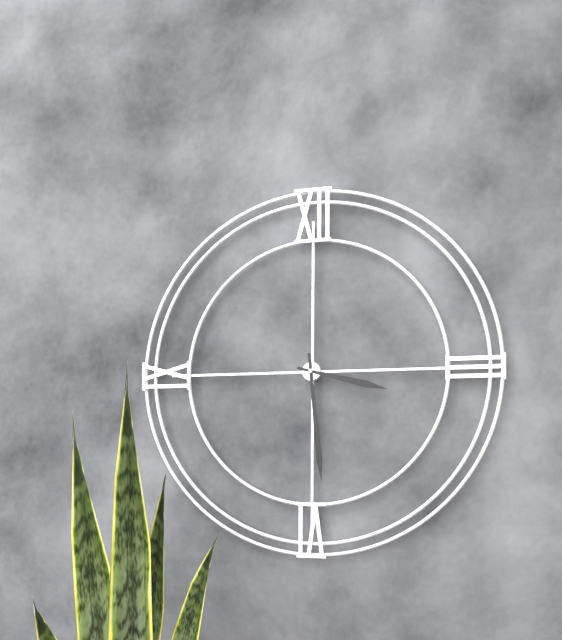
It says 3 h 29 min
